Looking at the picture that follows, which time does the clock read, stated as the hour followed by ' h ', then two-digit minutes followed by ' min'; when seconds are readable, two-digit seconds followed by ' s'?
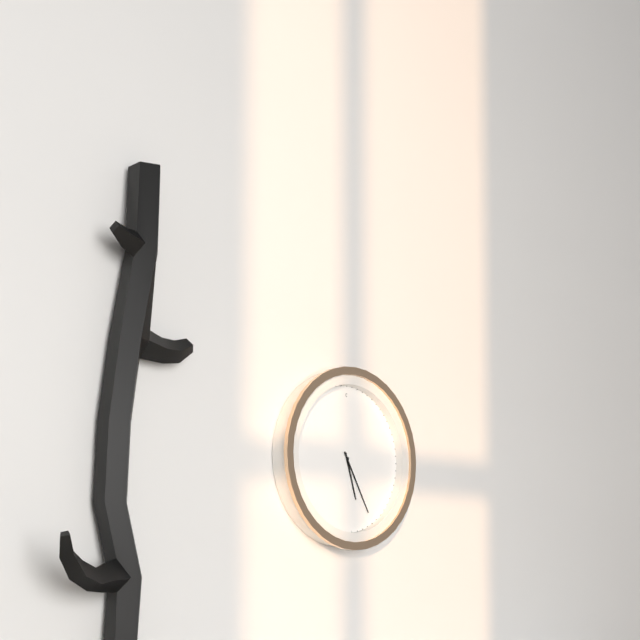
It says 5 h 25 min
